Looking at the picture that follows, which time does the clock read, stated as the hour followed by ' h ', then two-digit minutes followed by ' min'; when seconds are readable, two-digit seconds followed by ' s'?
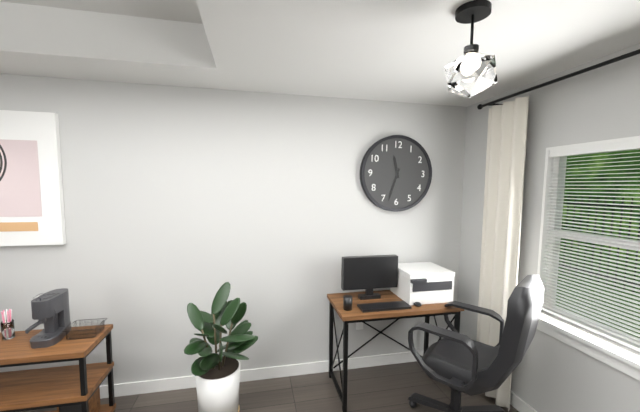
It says 11 h 33 min
